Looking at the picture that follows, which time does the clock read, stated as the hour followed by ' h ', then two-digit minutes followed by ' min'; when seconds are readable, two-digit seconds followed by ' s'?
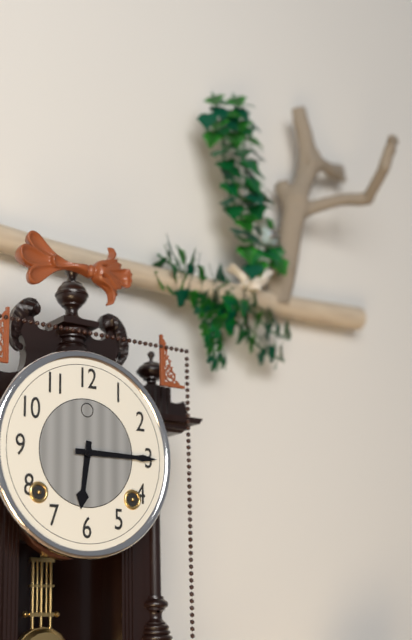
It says 6 h 15 min
